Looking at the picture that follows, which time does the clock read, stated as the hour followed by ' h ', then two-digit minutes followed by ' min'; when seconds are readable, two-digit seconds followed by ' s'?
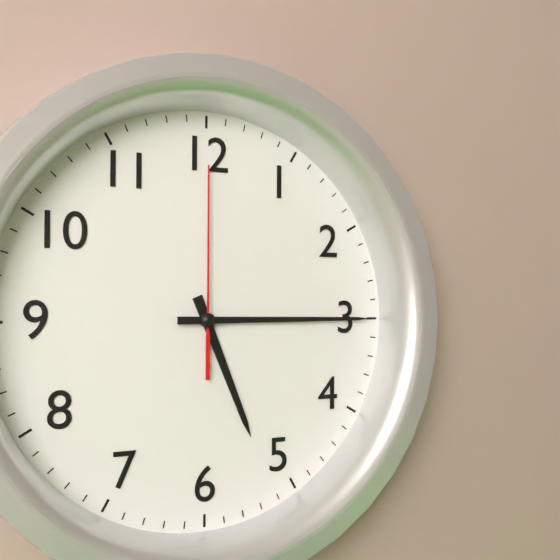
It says 5 h 15 min 00 s
